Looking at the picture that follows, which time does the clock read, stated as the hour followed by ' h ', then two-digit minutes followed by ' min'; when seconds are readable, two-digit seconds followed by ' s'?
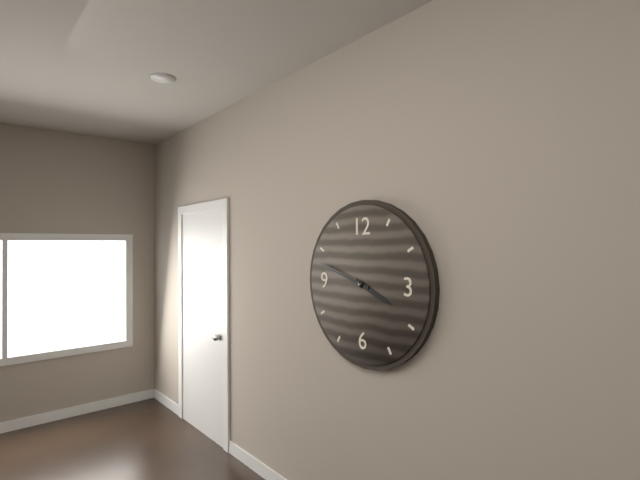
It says 3 h 48 min
